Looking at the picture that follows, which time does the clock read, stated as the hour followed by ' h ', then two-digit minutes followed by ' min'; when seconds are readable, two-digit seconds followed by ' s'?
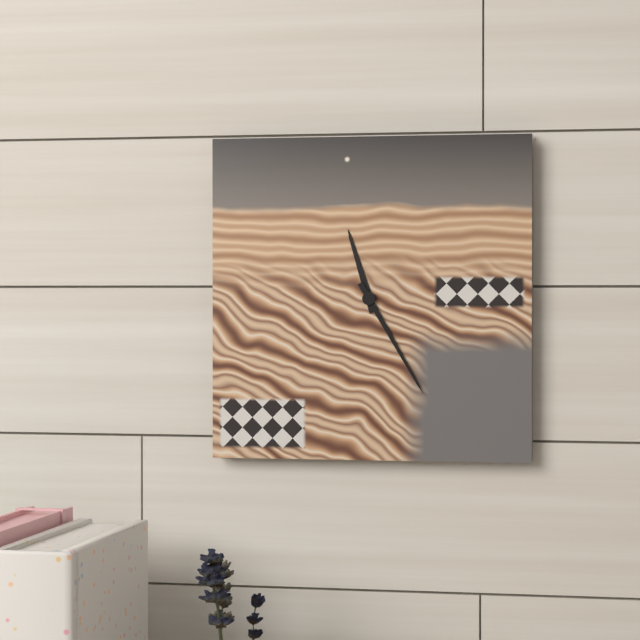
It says 11 h 25 min
